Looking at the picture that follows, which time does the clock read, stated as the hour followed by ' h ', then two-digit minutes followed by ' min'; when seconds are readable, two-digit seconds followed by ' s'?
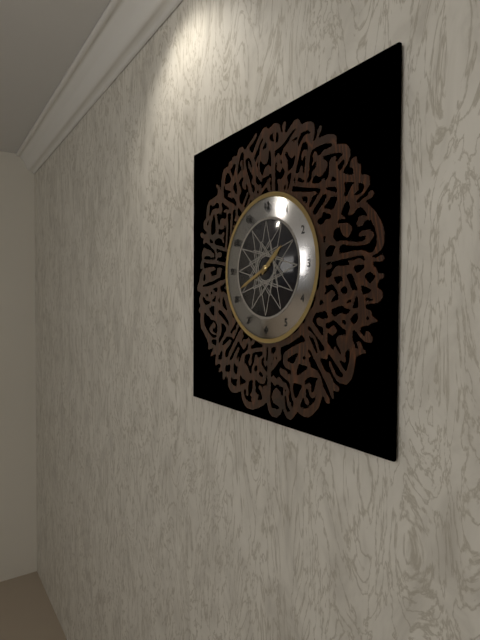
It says 1 h 41 min
